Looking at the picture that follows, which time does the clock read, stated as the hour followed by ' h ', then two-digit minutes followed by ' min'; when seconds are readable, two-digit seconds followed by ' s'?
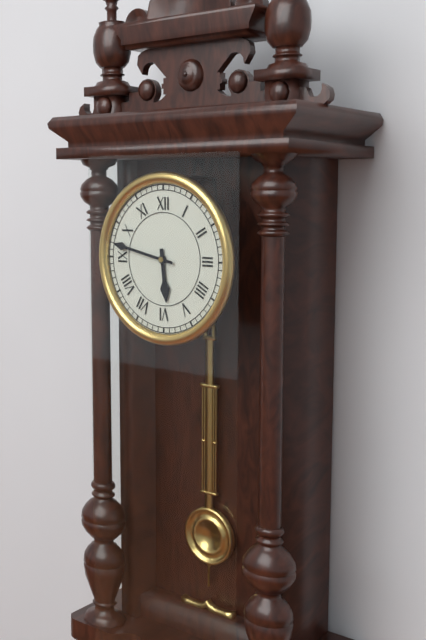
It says 5 h 47 min
